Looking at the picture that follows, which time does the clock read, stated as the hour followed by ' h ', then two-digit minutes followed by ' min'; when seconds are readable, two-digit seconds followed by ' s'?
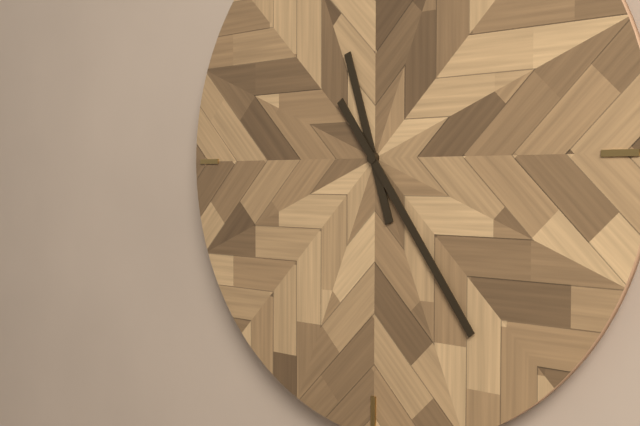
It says 11 h 24 min
